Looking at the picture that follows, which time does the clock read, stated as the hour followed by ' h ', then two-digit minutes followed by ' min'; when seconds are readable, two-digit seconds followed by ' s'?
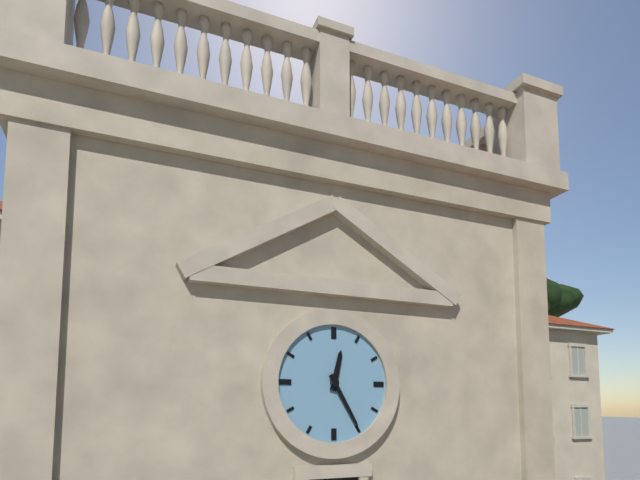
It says 12 h 25 min
